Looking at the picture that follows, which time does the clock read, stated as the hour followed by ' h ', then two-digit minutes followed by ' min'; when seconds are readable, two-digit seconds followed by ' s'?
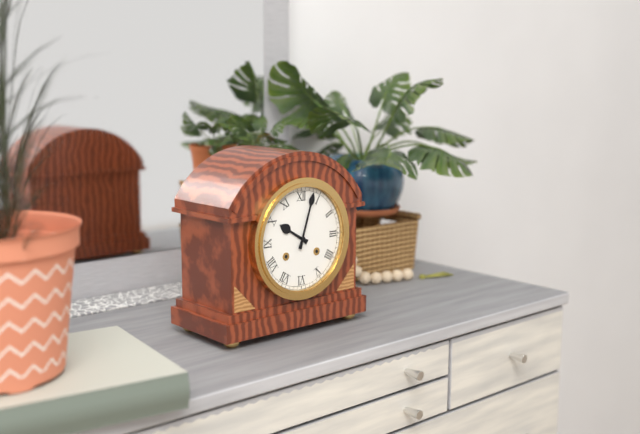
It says 10 h 03 min
